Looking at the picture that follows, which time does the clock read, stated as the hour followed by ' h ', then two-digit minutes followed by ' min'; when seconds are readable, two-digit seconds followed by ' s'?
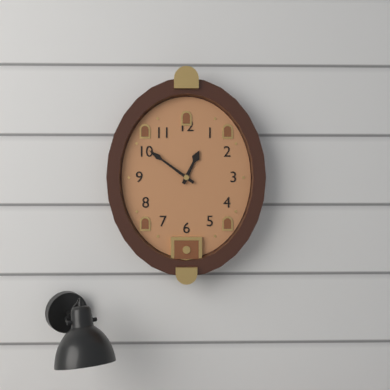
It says 12 h 51 min
